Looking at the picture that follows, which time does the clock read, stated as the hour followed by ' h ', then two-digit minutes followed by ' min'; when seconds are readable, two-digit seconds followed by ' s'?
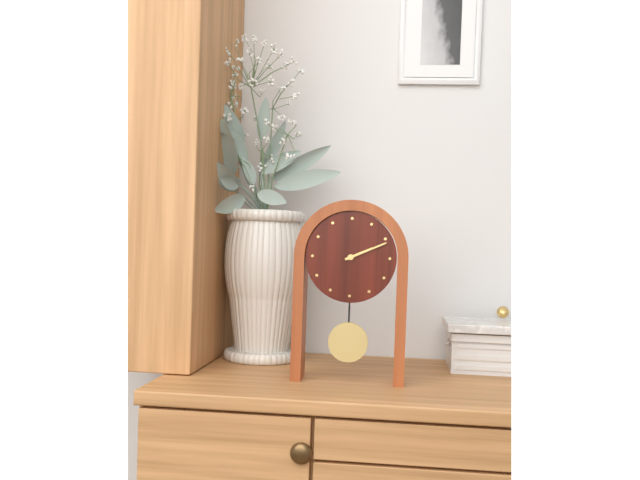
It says 2 h 11 min
